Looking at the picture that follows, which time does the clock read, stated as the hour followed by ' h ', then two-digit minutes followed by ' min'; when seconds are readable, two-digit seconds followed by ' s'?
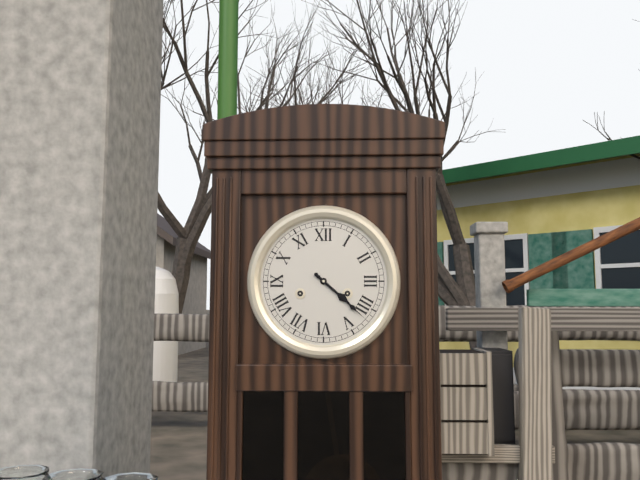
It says 4 h 22 min
